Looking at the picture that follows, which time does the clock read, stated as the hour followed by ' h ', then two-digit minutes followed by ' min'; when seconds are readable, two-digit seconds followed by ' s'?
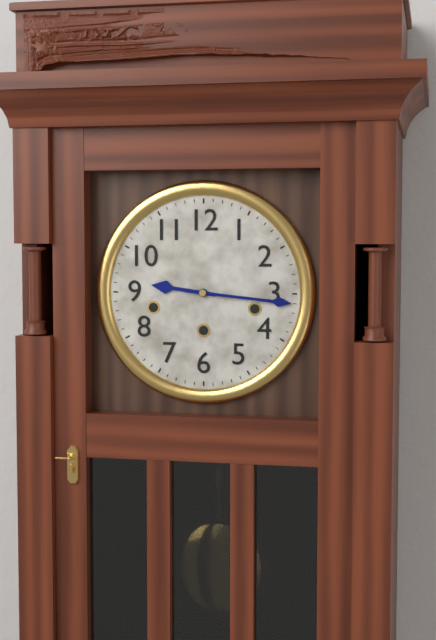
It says 9 h 16 min
